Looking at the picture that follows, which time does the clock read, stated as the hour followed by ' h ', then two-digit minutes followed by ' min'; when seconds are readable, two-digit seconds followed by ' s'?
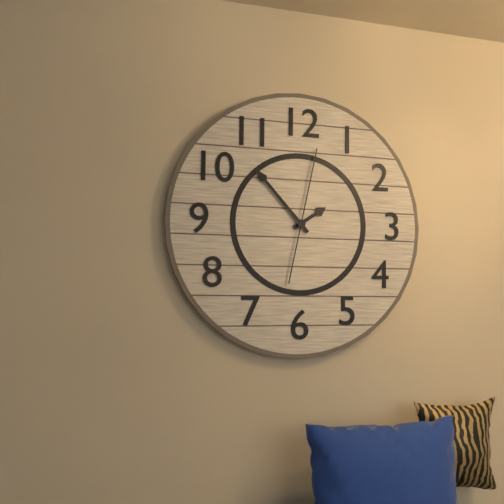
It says 1 h 53 min 02 s
